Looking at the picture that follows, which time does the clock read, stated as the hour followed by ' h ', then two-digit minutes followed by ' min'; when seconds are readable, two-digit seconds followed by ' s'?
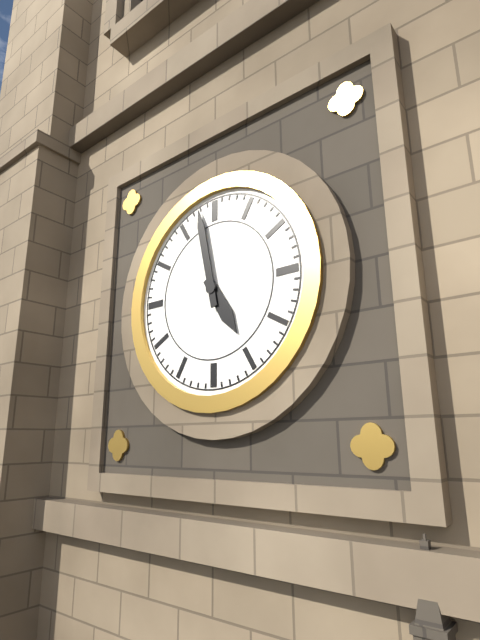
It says 4 h 58 min
